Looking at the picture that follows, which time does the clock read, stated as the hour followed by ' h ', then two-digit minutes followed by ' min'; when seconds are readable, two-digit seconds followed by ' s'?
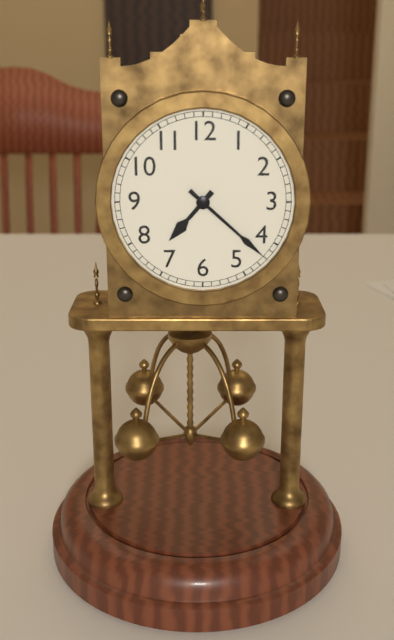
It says 7 h 22 min
